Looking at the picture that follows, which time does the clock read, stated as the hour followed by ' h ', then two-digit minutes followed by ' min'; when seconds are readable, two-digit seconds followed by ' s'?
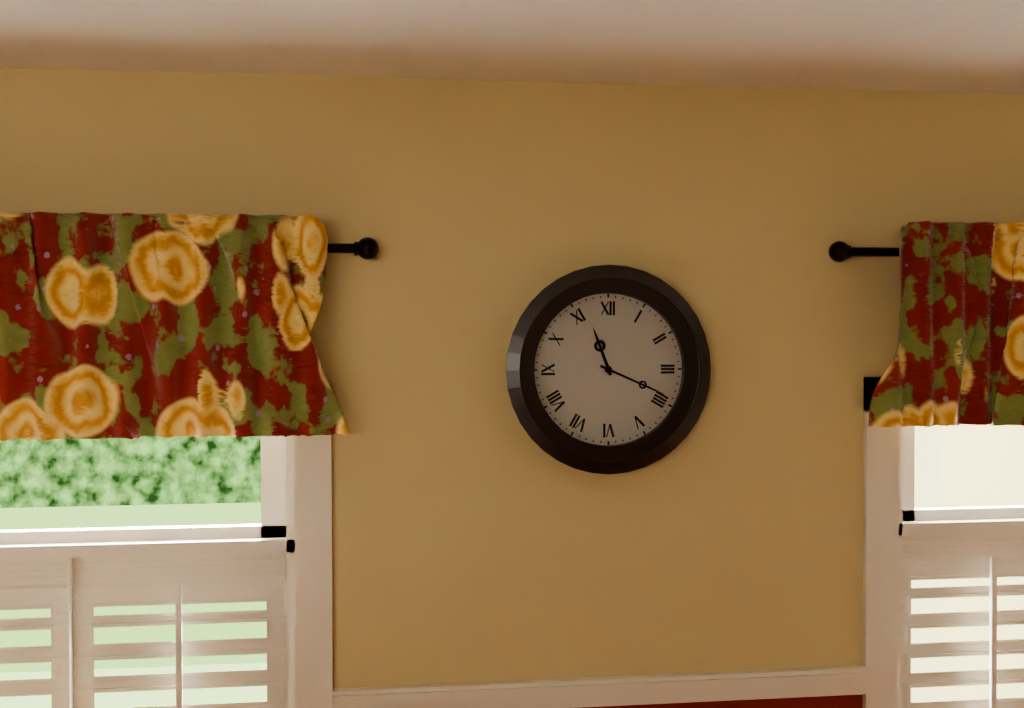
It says 11 h 19 min
